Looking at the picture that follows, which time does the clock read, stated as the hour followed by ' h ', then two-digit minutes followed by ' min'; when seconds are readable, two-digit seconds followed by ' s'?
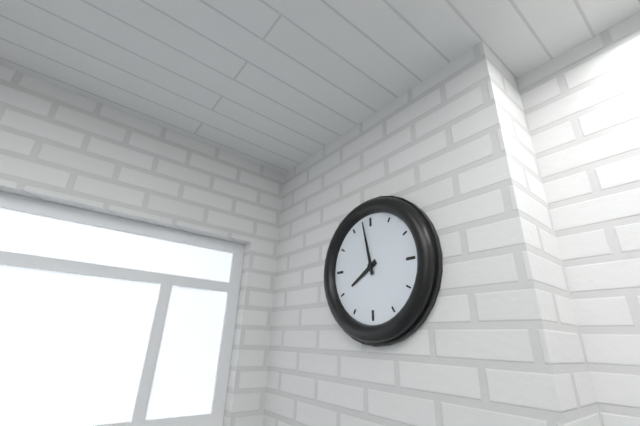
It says 7 h 58 min
